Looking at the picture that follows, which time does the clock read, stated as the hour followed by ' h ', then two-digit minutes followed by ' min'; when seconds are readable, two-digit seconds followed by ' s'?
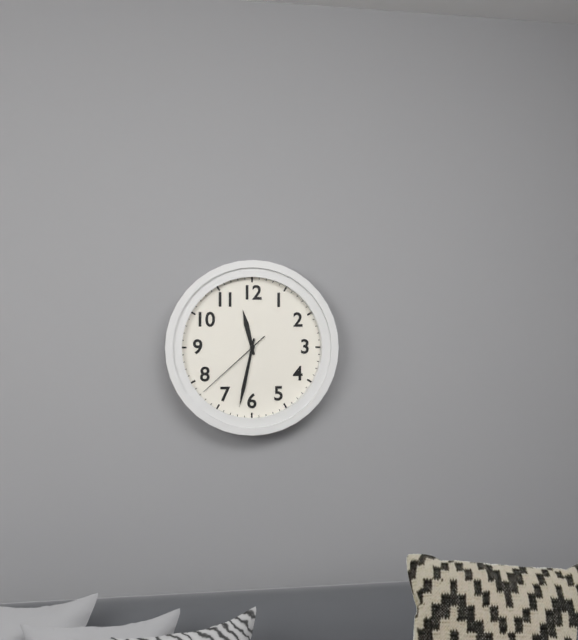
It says 11 h 32 min 38 s
